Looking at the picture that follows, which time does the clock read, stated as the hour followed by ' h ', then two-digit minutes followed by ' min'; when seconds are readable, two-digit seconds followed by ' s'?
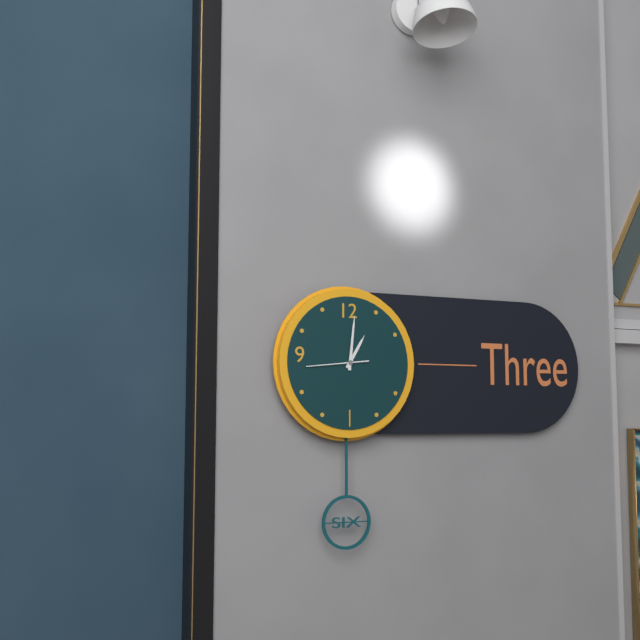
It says 1 h 01 min
